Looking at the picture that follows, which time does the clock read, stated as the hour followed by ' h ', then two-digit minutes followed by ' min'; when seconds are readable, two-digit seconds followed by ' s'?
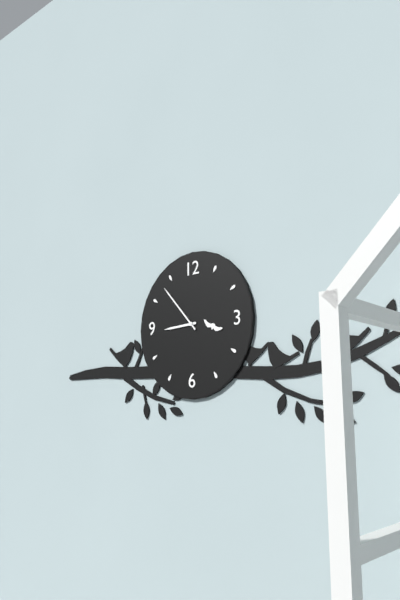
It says 8 h 53 min
